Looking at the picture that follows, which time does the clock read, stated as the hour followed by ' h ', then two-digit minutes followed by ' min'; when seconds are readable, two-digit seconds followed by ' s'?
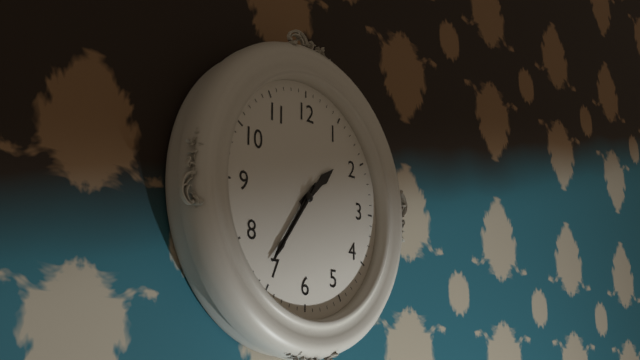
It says 1 h 36 min 36 s
